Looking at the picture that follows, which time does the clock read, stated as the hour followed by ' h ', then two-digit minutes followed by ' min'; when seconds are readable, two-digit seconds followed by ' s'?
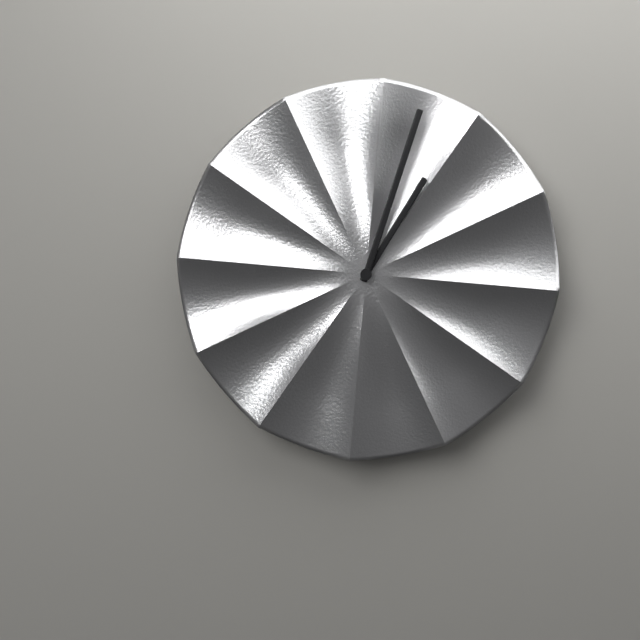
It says 1 h 03 min
